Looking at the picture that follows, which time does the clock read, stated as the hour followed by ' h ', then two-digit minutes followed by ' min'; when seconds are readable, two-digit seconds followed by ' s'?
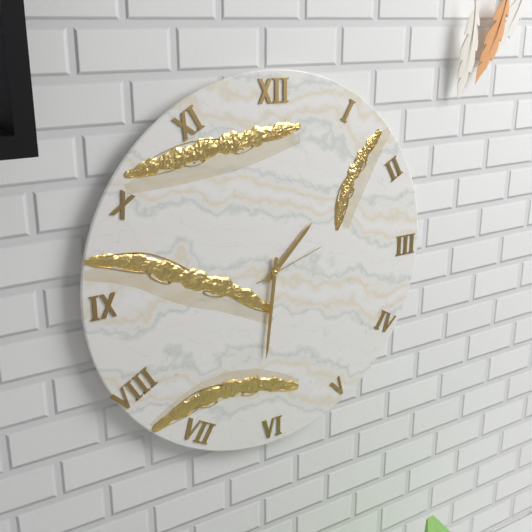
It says 1 h 31 min 12 s
